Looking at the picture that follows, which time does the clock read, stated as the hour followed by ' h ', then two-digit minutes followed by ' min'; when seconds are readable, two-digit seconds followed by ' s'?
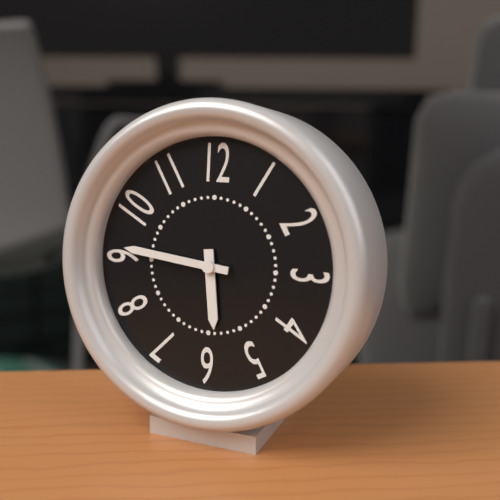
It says 5 h 46 min
